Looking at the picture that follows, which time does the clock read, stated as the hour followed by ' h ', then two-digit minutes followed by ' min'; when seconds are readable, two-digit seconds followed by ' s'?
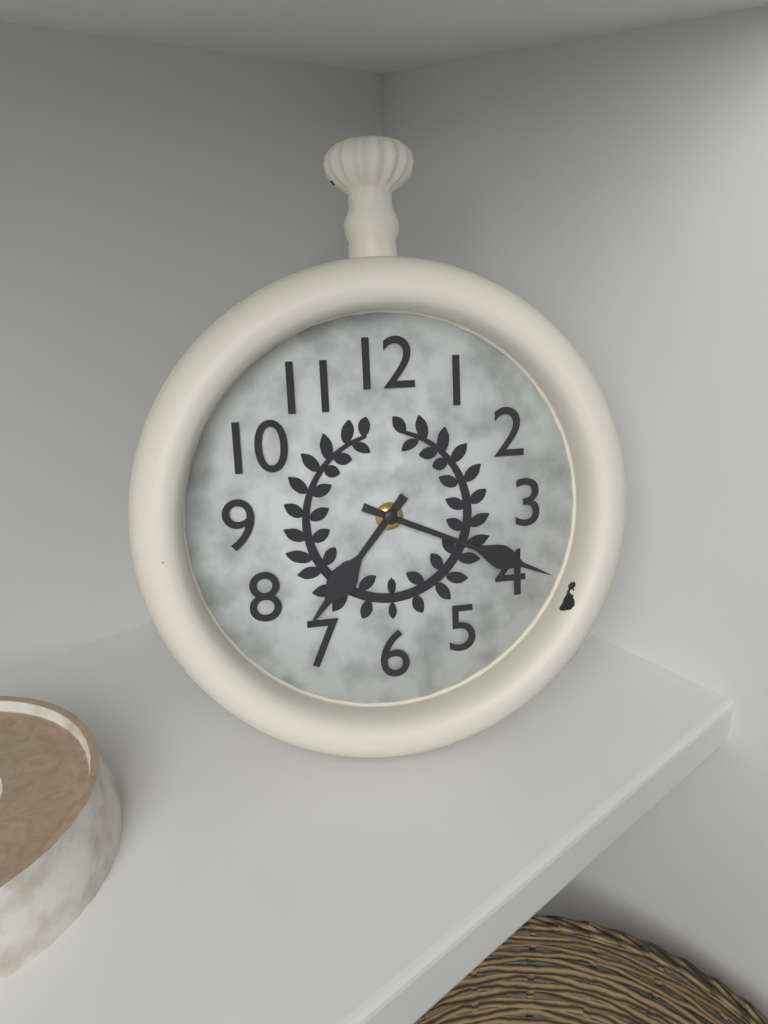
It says 7 h 19 min
